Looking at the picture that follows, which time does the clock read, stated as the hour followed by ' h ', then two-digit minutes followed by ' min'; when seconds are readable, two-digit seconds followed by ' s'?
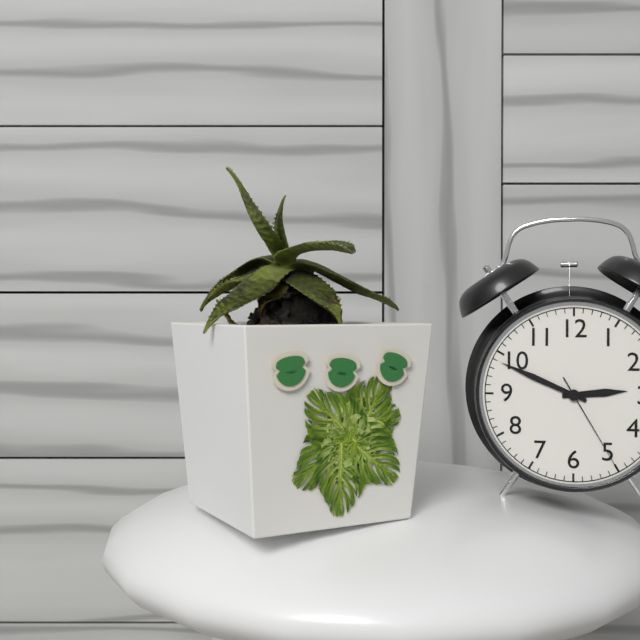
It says 2 h 49 min 25 s
